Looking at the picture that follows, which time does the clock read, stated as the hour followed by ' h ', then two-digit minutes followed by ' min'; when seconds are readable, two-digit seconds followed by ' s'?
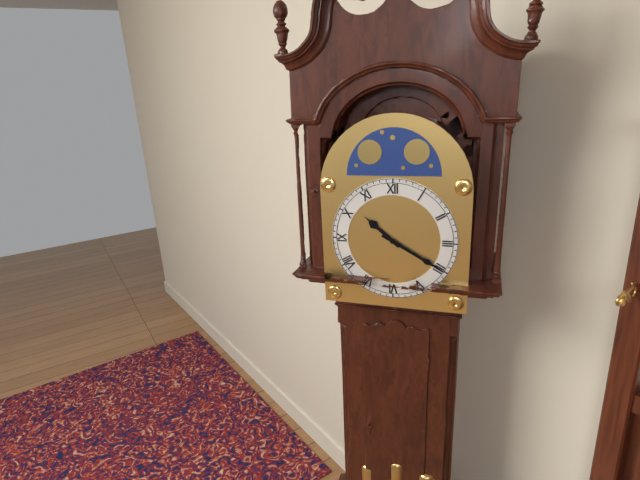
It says 10 h 20 min
